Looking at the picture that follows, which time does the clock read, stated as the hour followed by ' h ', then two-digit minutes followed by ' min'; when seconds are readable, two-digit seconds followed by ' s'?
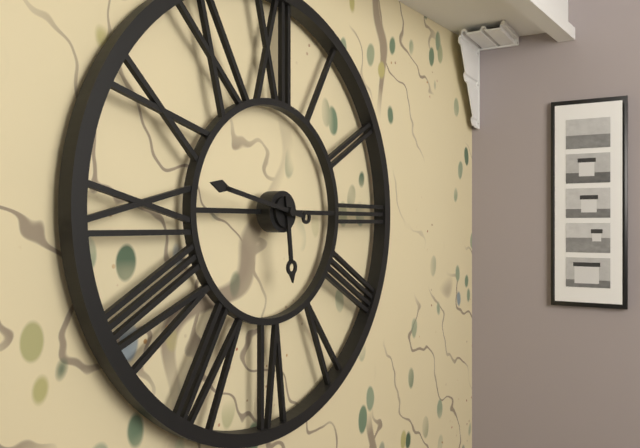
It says 5 h 47 min
